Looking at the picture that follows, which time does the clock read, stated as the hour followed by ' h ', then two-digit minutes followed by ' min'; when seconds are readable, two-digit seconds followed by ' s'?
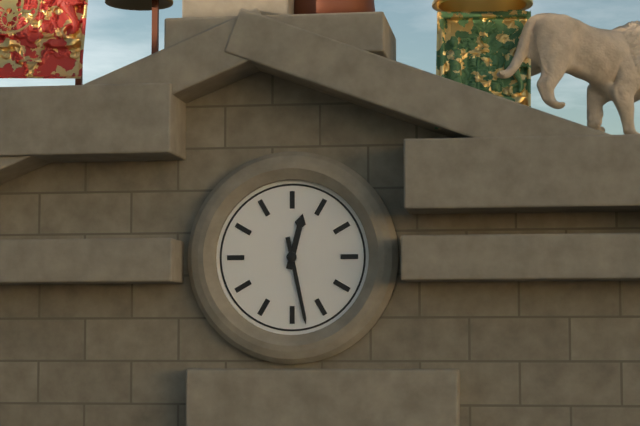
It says 12 h 28 min
